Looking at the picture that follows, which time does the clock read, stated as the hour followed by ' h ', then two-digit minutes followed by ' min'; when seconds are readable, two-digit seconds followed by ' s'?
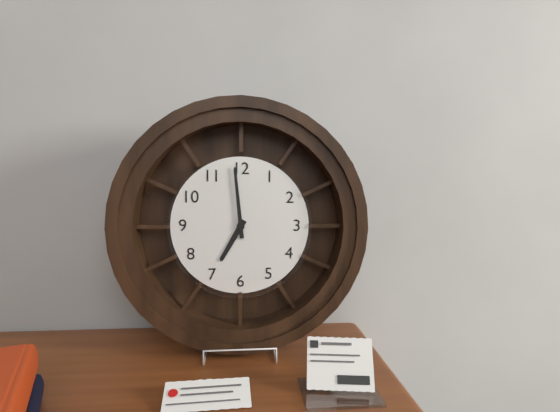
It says 6 h 59 min
